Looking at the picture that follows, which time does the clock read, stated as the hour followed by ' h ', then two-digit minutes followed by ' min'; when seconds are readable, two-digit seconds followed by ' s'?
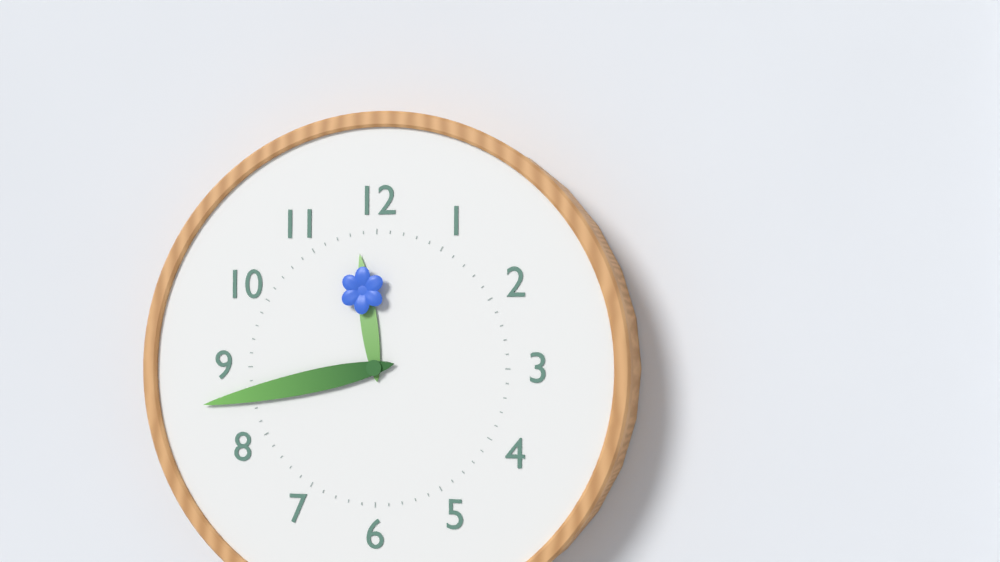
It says 11 h 43 min
